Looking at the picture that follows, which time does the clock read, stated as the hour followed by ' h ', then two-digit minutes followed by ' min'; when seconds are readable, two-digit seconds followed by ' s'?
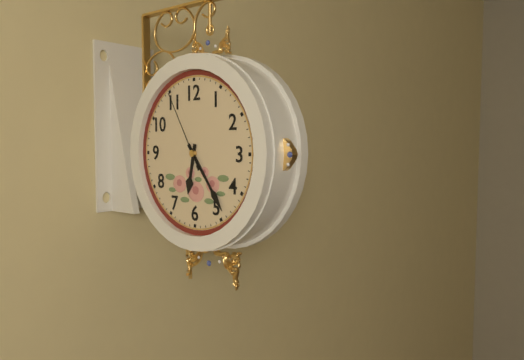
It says 6 h 24 min 55 s
